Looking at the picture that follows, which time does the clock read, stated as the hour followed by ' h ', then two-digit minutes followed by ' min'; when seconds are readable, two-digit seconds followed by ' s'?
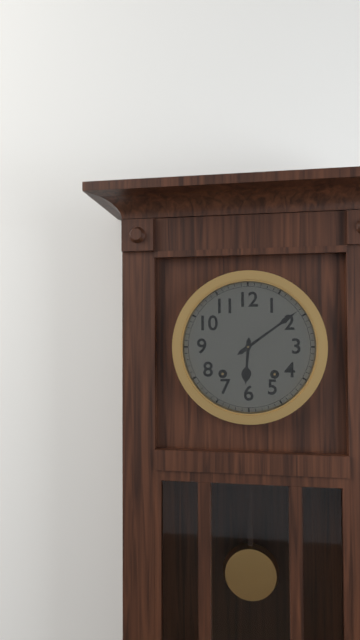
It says 6 h 09 min
